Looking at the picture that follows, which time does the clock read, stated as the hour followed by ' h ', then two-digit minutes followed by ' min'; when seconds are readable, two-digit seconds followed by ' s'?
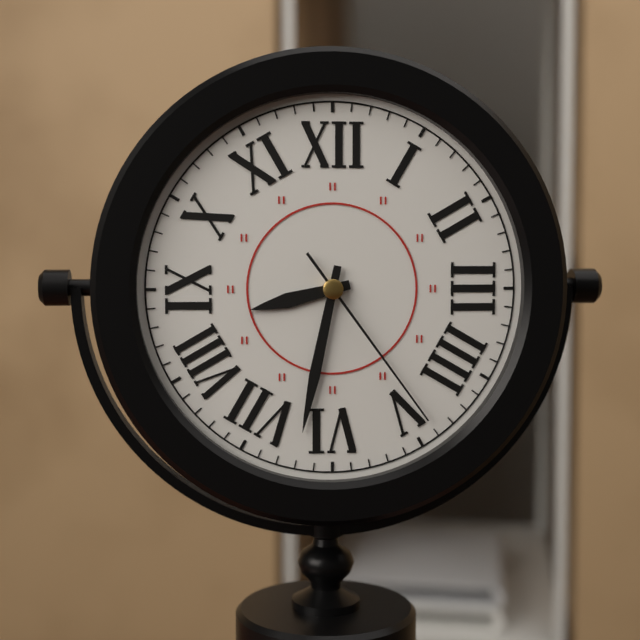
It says 8 h 32 min 24 s
